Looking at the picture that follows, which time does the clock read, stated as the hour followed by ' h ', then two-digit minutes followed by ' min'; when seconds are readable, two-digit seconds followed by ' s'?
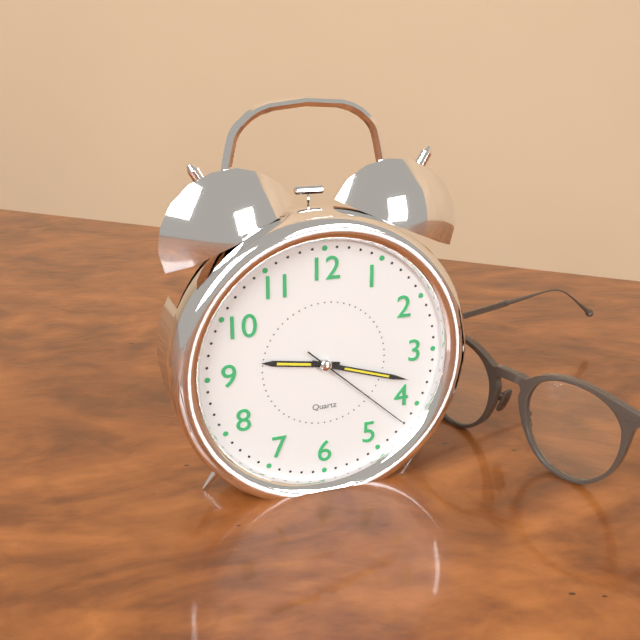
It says 9 h 18 min 22 s
